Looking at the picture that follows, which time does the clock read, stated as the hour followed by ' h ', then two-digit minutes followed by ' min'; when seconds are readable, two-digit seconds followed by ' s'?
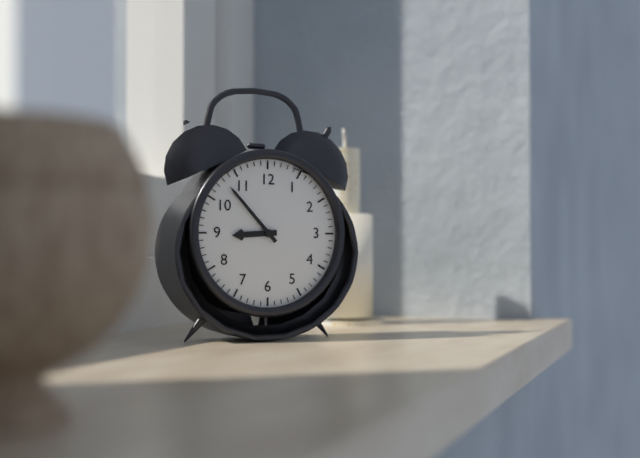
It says 8 h 53 min
